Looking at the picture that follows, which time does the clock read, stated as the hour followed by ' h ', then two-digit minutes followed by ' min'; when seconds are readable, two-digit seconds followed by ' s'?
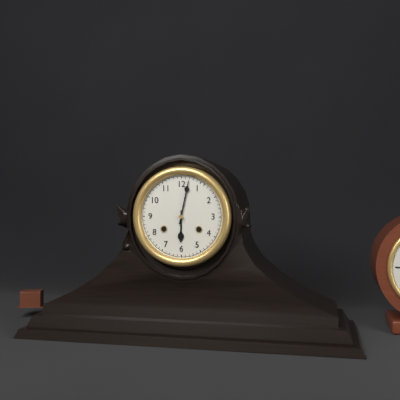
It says 6 h 02 min
